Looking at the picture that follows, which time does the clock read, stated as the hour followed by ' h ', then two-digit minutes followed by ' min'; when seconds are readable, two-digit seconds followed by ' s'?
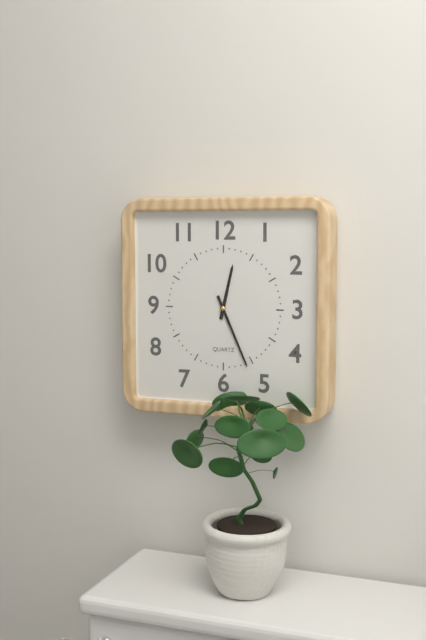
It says 12 h 26 min
